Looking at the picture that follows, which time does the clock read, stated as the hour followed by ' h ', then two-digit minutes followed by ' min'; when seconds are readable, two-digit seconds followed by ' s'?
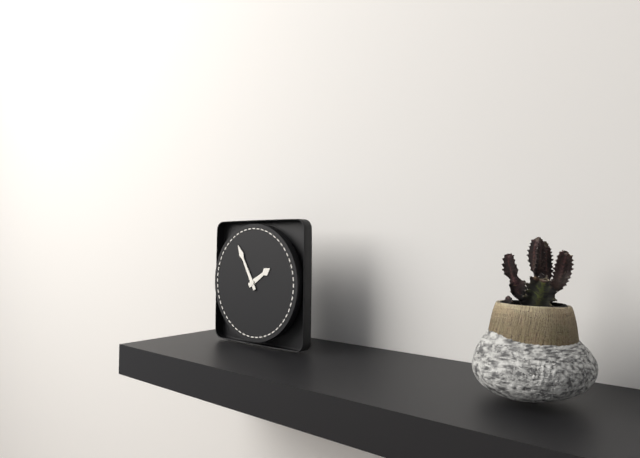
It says 1 h 55 min
